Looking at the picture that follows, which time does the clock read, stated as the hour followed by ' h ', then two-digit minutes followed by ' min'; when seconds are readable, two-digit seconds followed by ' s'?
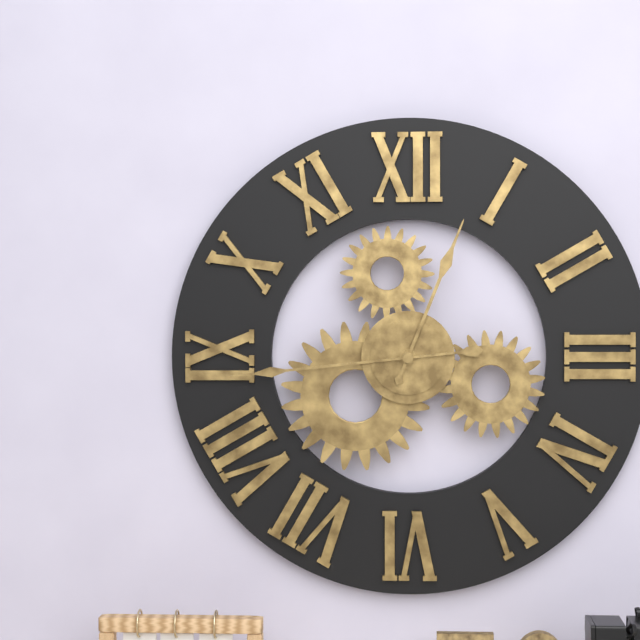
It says 12 h 44 min
